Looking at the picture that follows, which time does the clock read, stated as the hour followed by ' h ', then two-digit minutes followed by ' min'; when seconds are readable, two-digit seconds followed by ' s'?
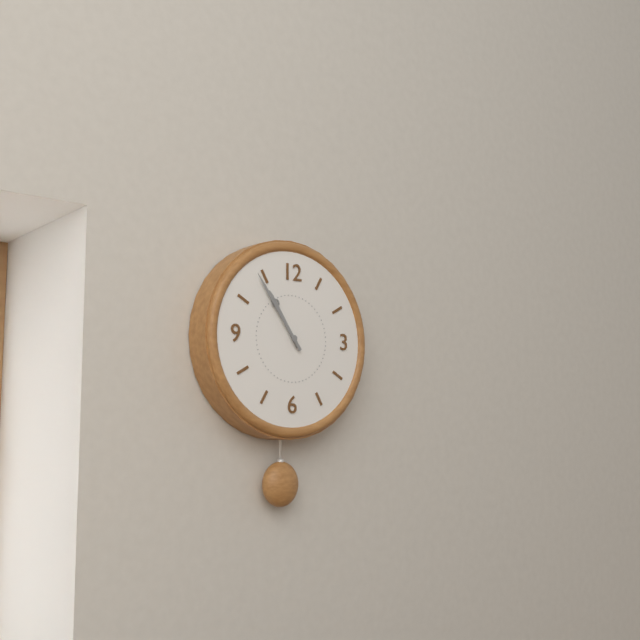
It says 10 h 54 min
